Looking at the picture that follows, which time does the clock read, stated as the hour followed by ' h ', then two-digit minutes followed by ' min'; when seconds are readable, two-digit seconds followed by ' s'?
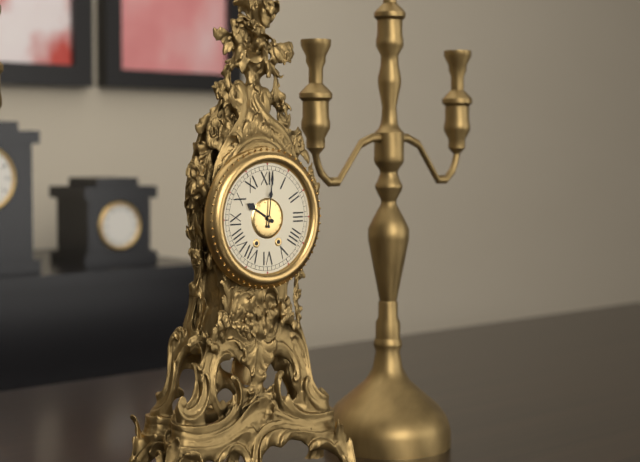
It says 10 h 01 min
